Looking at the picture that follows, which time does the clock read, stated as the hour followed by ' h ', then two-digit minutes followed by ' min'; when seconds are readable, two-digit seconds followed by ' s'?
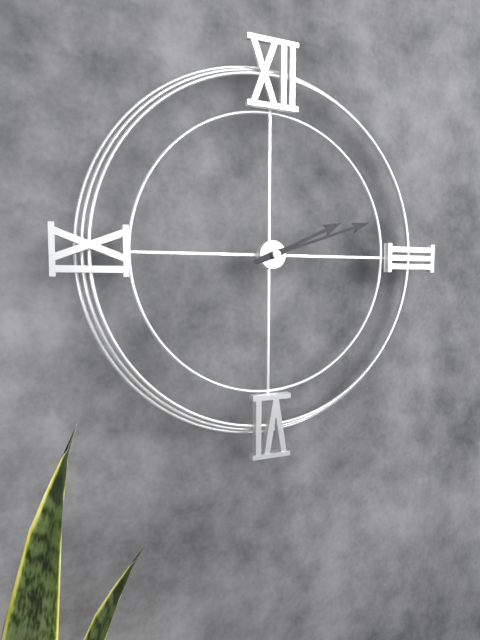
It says 2 h 12 min
